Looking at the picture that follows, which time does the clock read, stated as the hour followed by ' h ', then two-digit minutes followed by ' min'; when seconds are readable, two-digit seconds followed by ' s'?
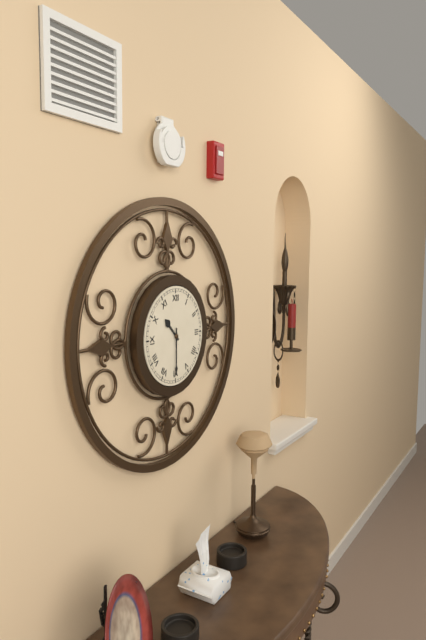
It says 10 h 30 min
